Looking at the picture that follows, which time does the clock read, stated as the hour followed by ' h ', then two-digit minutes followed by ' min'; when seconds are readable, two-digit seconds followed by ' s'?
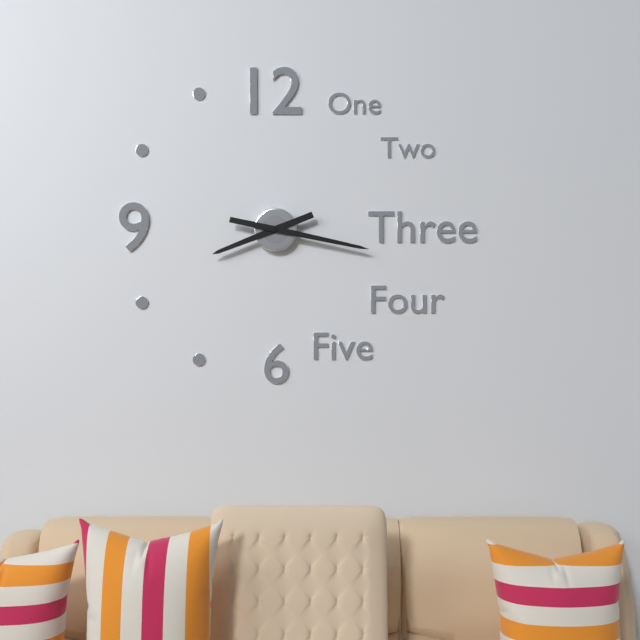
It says 8 h 17 min
